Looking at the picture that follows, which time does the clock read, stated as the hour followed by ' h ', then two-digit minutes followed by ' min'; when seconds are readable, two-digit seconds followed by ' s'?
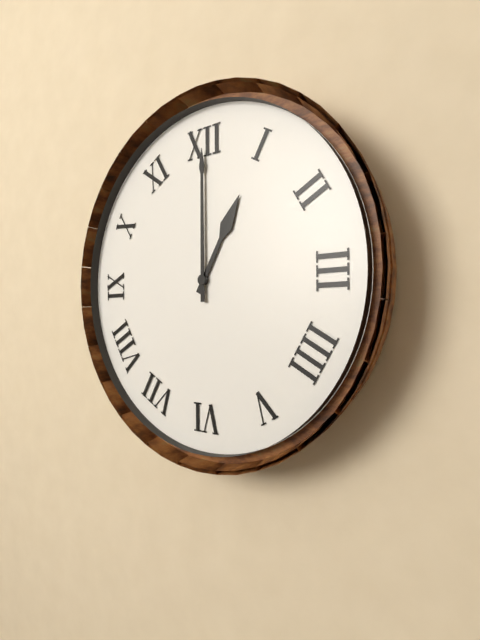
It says 1 h 00 min
